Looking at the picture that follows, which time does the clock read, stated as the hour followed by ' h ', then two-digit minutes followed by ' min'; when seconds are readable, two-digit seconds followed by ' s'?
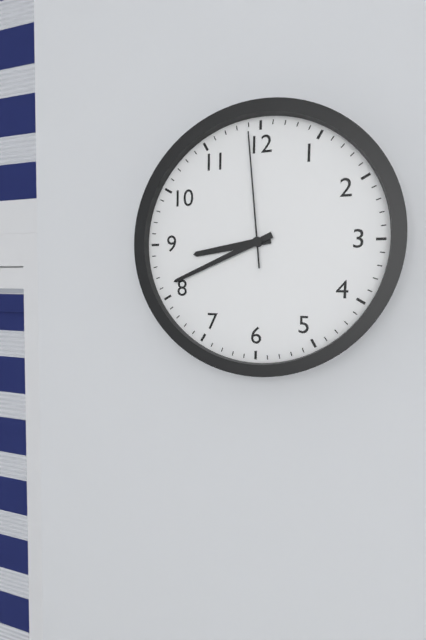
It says 8 h 41 min 59 s
